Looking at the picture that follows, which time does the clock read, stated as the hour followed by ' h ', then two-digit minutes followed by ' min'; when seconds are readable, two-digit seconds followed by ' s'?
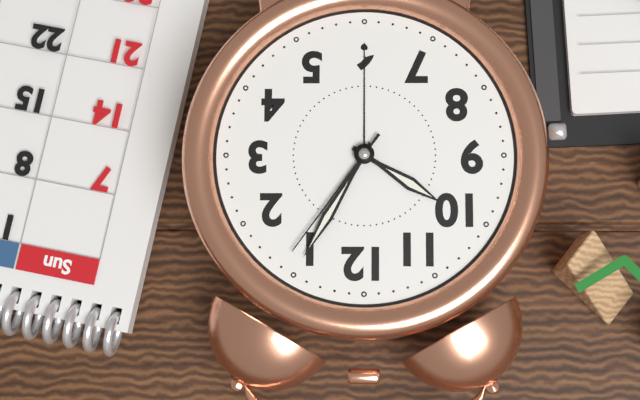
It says 10 h 05 min 06 s
